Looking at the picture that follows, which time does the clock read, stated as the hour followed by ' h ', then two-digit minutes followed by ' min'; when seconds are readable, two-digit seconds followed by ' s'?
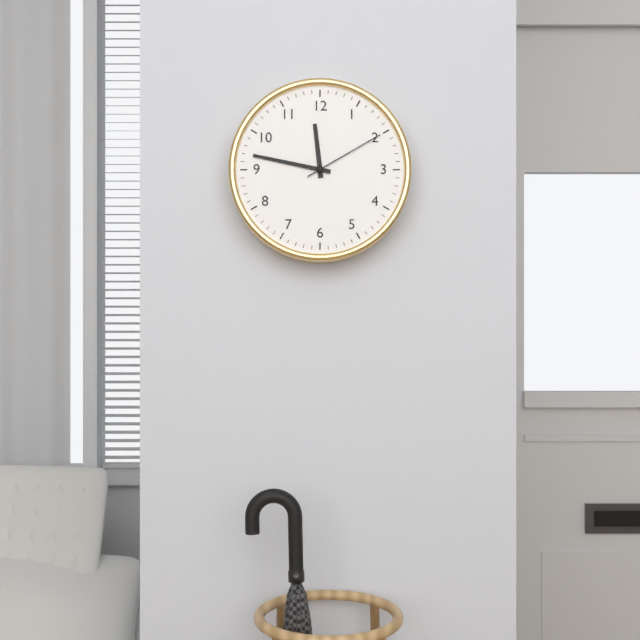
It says 11 h 47 min 10 s
